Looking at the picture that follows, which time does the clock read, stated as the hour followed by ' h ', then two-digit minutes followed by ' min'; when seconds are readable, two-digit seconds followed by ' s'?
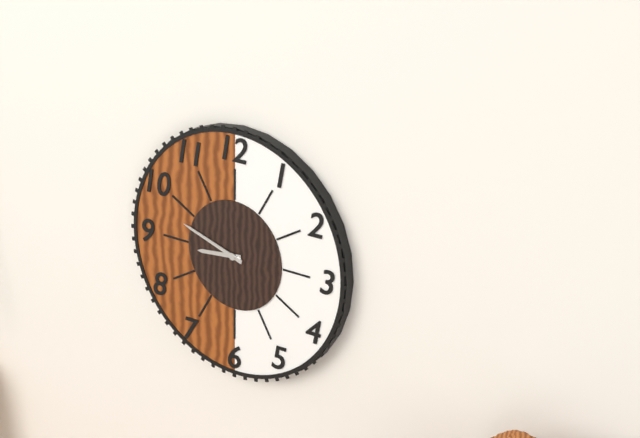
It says 8 h 48 min
